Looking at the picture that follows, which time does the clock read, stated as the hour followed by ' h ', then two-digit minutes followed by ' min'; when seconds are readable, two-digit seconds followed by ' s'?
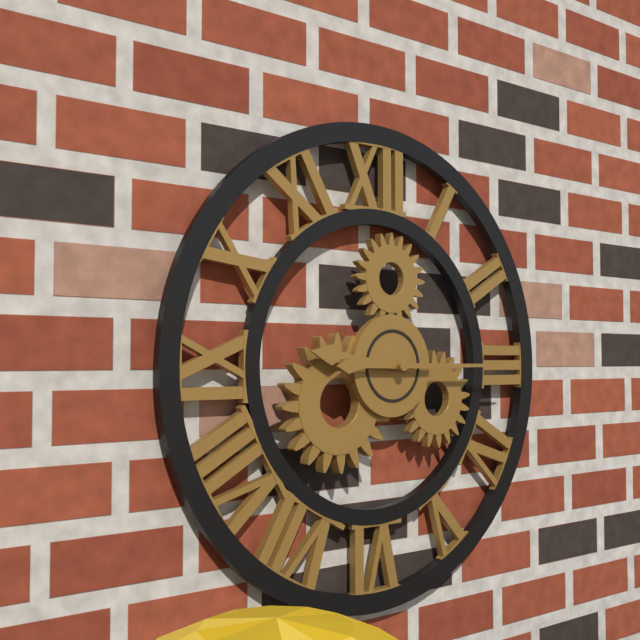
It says 9 h 15 min
